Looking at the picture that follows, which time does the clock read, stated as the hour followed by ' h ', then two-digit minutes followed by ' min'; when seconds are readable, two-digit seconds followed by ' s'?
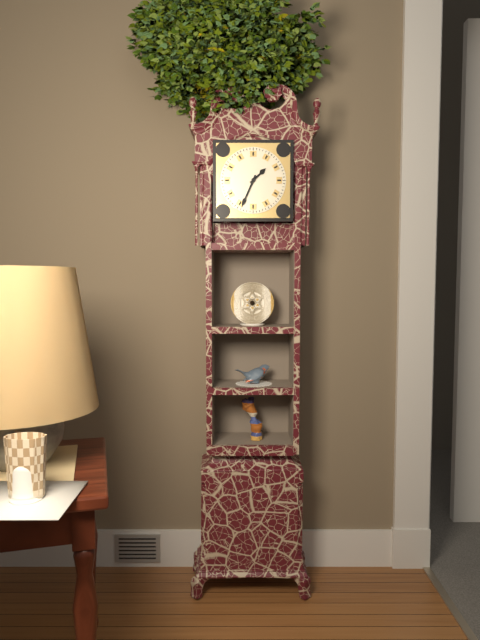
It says 1 h 34 min
